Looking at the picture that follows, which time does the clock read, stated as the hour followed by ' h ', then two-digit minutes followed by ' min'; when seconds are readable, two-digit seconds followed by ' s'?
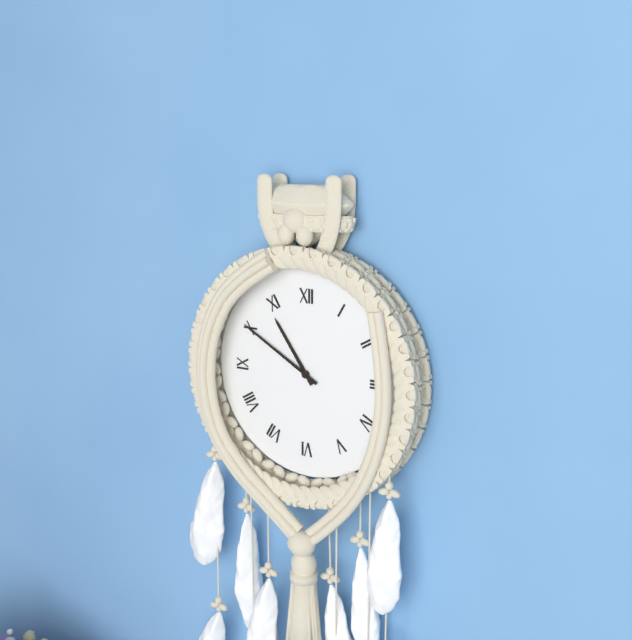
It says 10 h 50 min
